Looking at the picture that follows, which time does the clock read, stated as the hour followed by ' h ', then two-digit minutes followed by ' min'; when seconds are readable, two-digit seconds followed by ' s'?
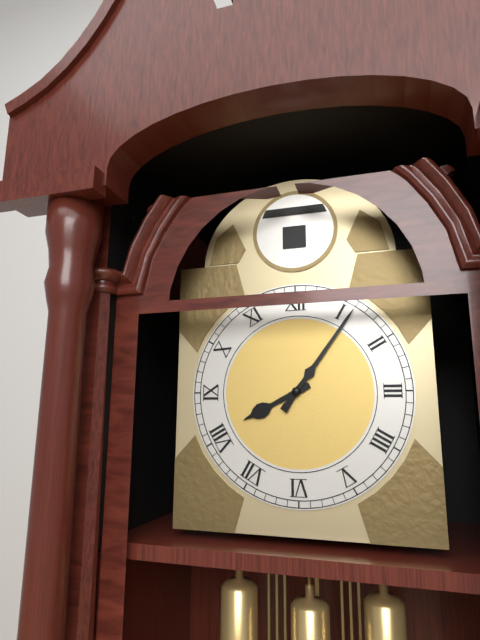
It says 8 h 06 min
